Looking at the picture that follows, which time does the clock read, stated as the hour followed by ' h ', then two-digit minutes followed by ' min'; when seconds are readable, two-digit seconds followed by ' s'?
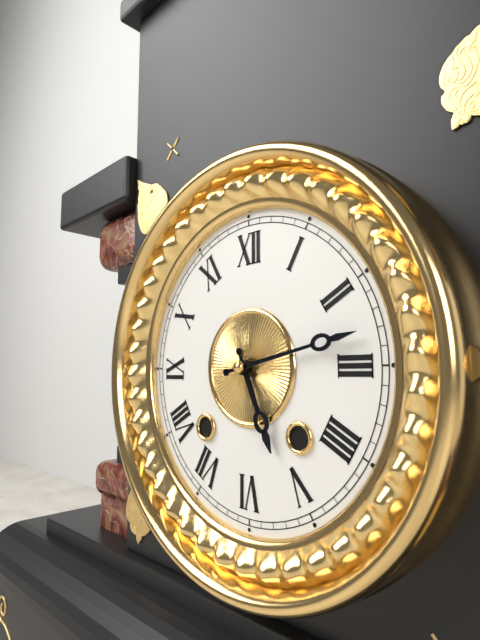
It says 5 h 13 min
